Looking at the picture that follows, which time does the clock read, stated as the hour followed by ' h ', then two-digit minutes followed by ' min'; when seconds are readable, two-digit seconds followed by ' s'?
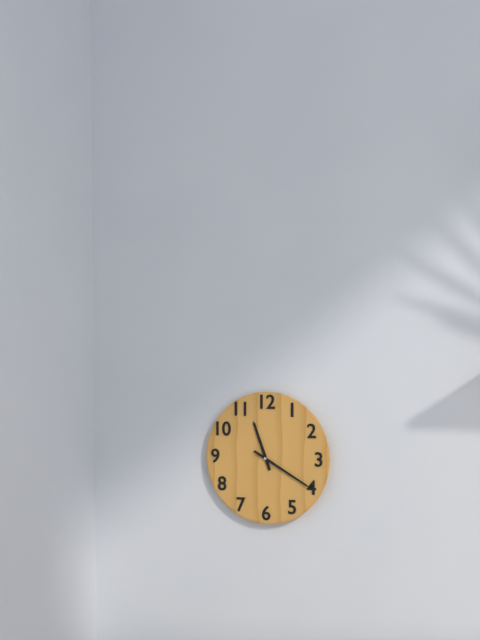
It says 11 h 20 min
